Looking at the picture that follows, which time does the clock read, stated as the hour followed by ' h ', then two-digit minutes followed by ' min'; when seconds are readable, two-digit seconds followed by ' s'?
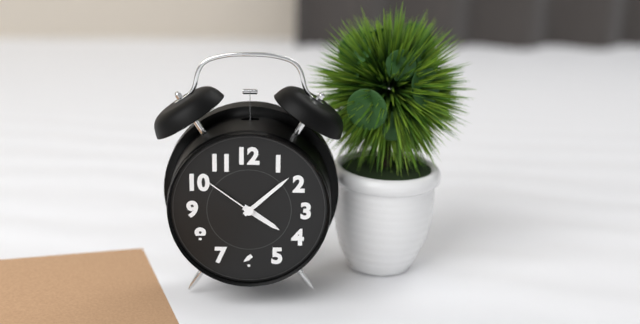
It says 4 h 08 min 51 s
